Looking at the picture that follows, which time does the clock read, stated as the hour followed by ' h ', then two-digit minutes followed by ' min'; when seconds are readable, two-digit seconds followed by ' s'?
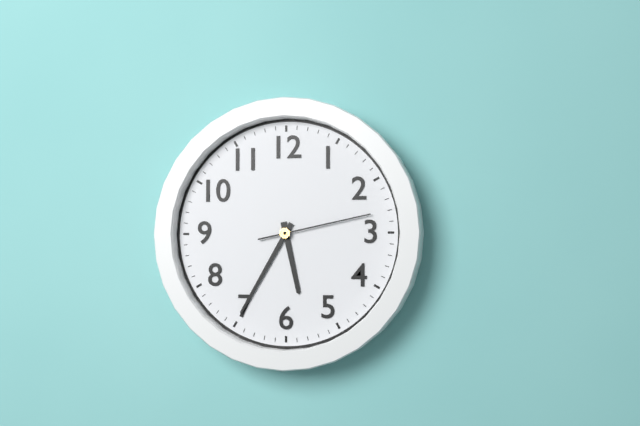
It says 5 h 35 min 13 s
